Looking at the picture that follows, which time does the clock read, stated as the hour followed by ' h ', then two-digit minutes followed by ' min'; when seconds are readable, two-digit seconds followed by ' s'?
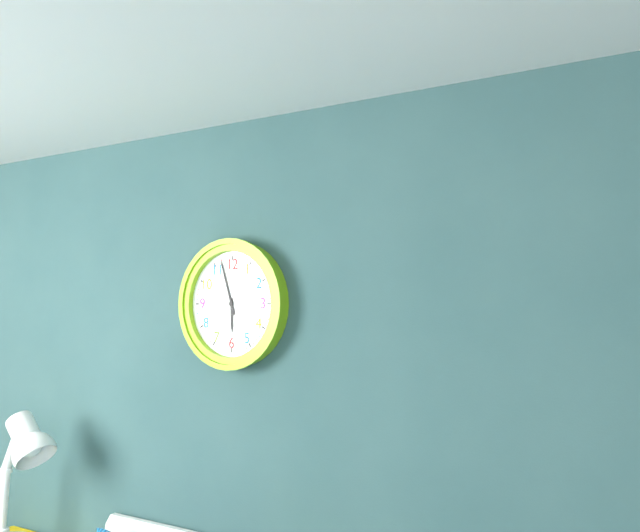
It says 5 h 57 min
